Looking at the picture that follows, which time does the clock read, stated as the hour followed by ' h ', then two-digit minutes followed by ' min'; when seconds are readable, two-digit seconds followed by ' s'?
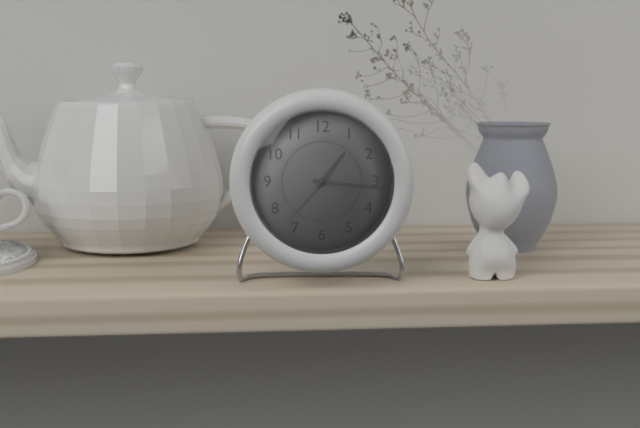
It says 1 h 16 min 37 s
